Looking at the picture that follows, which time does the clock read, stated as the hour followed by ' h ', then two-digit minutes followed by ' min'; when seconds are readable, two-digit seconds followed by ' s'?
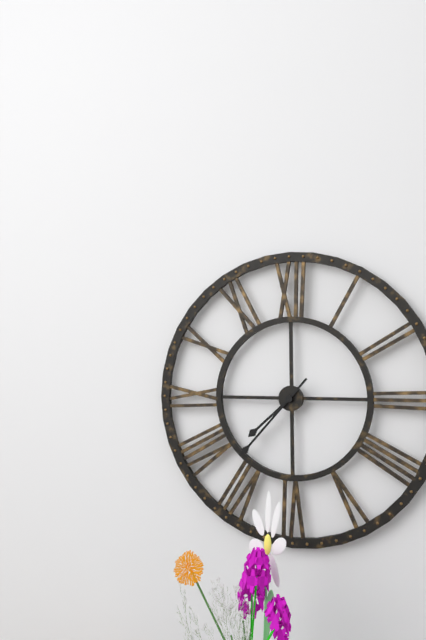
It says 7 h 37 min
